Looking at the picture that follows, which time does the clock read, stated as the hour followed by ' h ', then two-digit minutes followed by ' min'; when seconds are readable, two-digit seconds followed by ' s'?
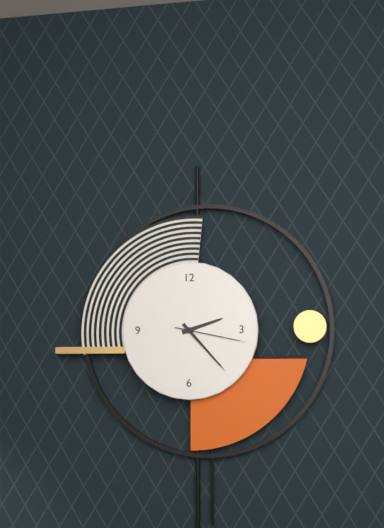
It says 2 h 23 min 17 s
